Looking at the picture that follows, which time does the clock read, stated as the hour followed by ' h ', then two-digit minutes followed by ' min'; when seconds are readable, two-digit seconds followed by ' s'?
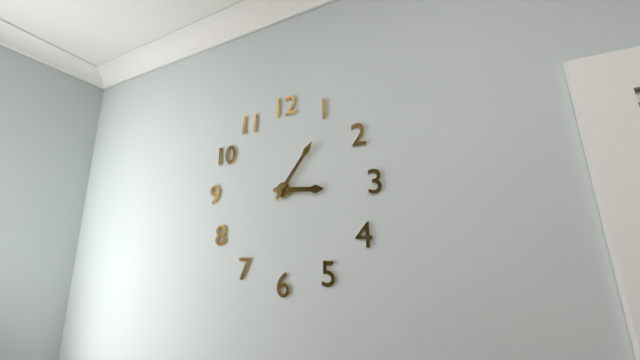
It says 3 h 06 min
